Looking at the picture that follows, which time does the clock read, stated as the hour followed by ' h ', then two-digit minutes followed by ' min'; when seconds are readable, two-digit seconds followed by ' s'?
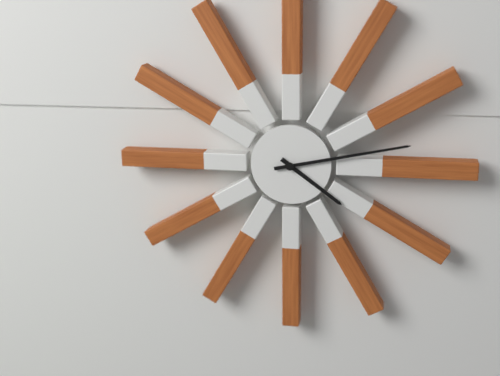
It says 4 h 13 min
